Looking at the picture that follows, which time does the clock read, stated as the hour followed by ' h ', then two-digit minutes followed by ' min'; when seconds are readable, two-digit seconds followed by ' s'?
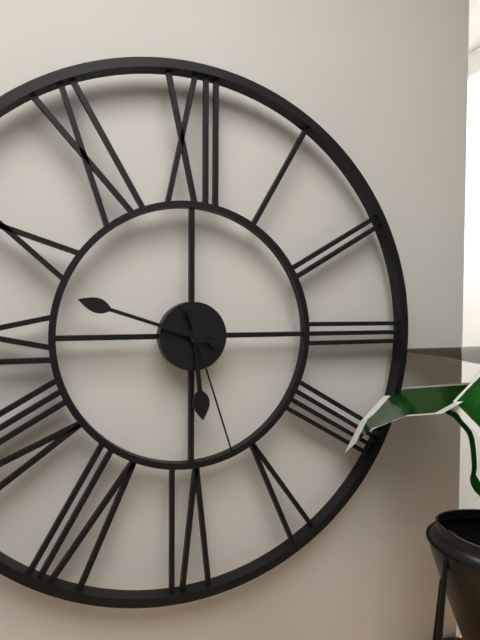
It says 5 h 48 min 27 s
